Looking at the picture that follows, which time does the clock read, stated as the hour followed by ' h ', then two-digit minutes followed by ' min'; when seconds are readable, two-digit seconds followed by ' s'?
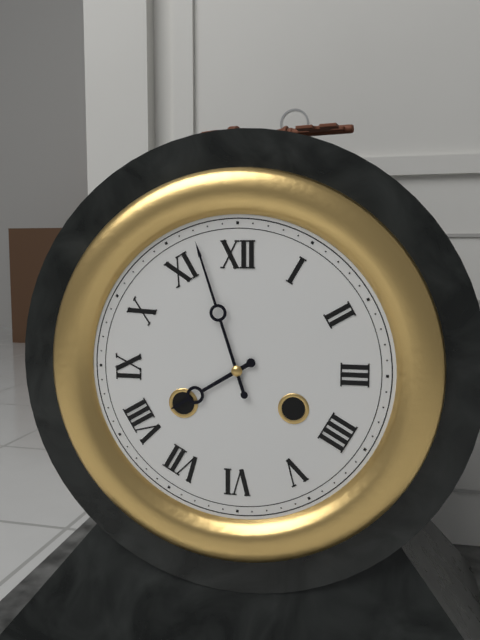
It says 7 h 57 min
